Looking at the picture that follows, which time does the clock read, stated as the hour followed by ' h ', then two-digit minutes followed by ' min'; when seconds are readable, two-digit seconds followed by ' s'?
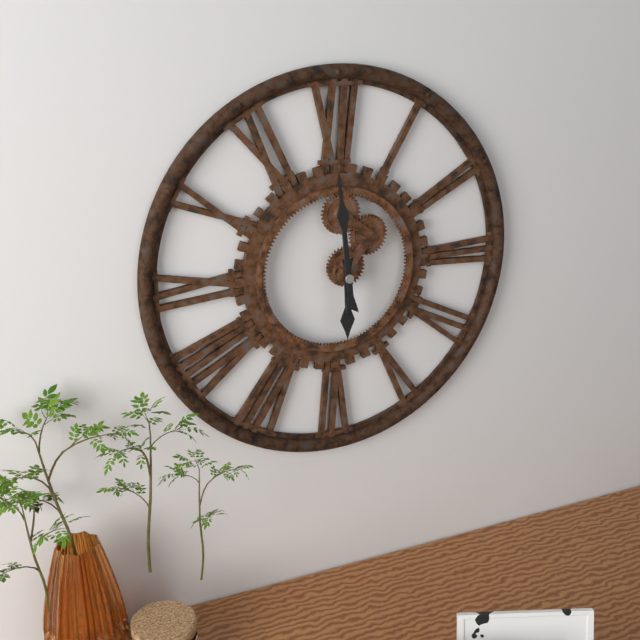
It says 5 h 59 min
